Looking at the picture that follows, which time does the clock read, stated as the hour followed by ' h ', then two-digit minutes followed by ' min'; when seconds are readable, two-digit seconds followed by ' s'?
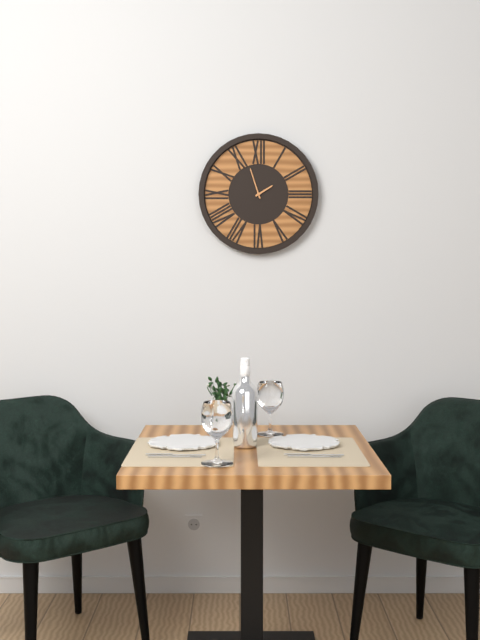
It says 1 h 57 min
